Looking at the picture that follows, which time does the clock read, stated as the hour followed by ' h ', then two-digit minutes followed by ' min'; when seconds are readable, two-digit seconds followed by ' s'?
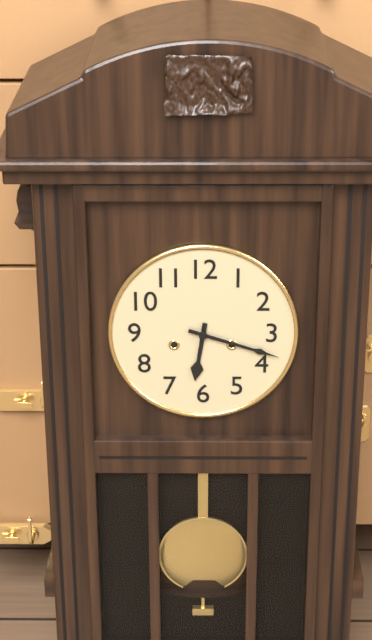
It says 6 h 18 min
